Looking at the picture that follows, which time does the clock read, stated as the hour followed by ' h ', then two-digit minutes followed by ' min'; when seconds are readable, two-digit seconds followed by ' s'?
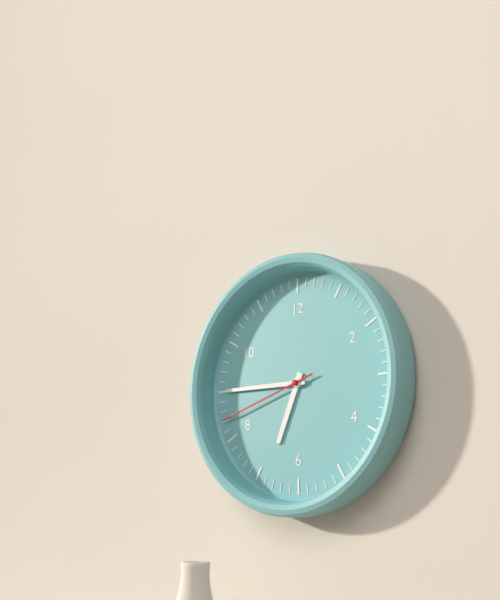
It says 6 h 45 min 42 s
